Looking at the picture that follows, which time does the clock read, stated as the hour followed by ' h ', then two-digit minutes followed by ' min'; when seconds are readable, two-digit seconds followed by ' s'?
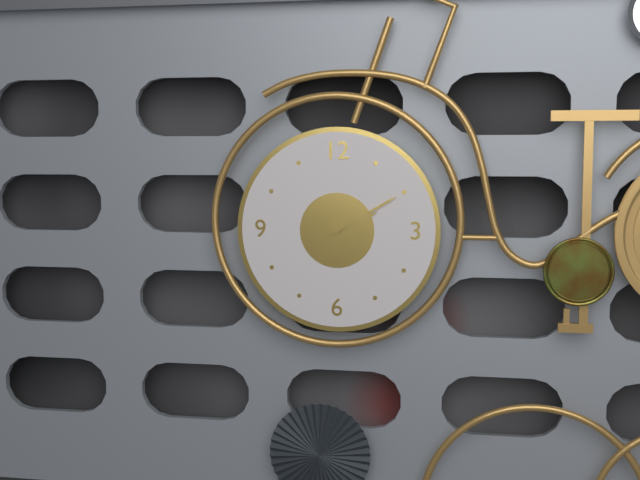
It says 2 h 10 min
